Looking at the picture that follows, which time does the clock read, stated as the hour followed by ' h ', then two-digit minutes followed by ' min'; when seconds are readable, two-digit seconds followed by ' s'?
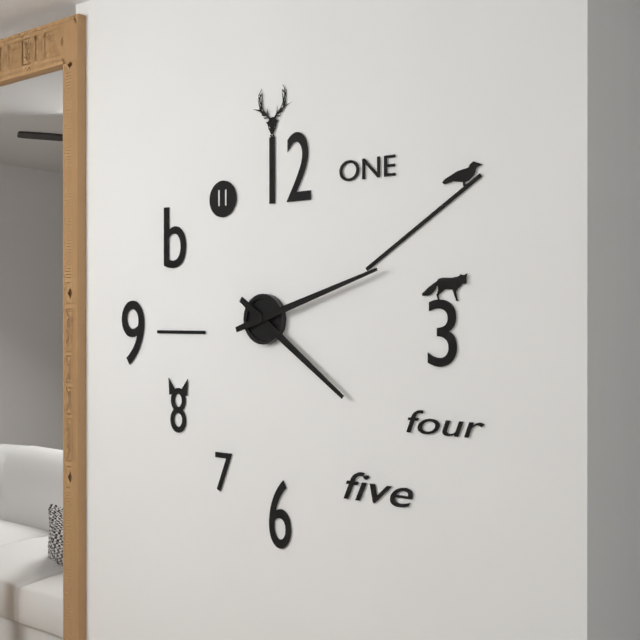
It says 4 h 12 min
